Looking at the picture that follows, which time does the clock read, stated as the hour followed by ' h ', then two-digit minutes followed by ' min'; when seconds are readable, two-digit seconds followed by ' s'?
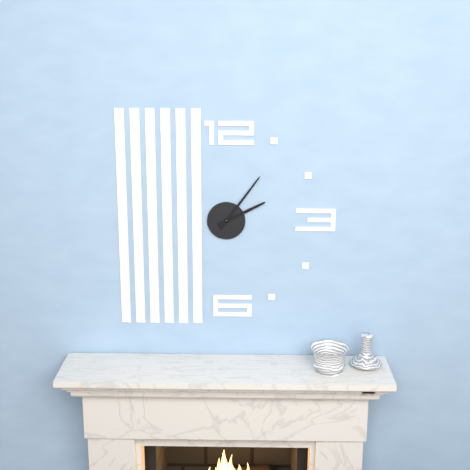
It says 2 h 06 min
